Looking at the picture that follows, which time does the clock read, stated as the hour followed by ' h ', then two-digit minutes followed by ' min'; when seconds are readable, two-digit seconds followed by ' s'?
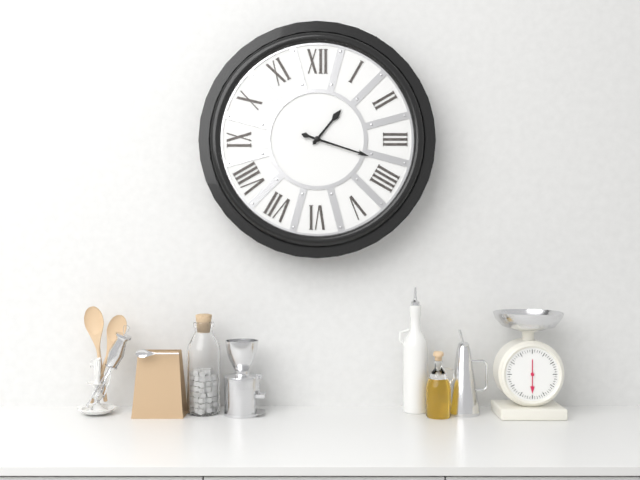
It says 1 h 18 min
